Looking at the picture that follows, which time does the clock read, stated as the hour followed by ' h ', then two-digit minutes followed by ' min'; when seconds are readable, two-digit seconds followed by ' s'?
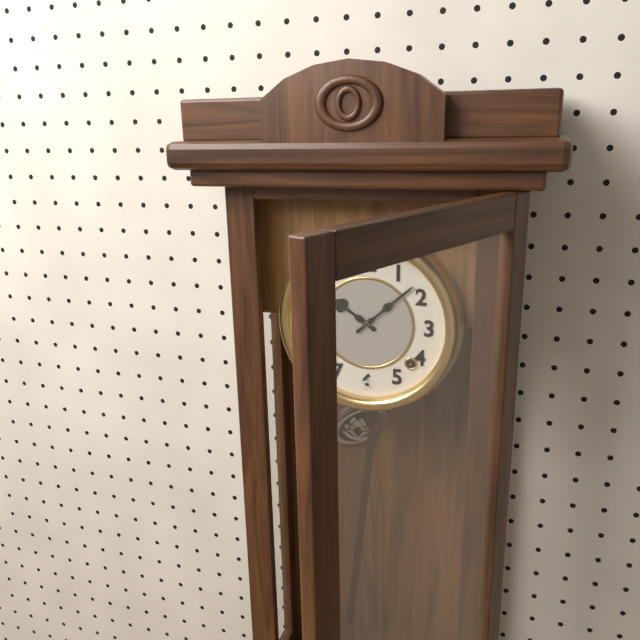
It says 10 h 08 min
